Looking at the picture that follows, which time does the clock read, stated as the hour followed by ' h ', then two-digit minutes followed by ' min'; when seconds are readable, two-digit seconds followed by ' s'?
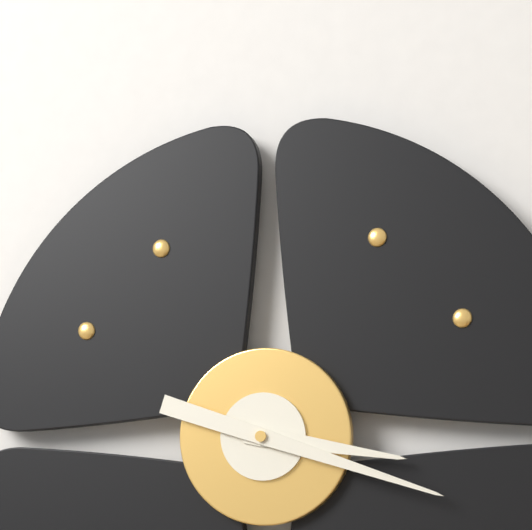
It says 3 h 18 min
